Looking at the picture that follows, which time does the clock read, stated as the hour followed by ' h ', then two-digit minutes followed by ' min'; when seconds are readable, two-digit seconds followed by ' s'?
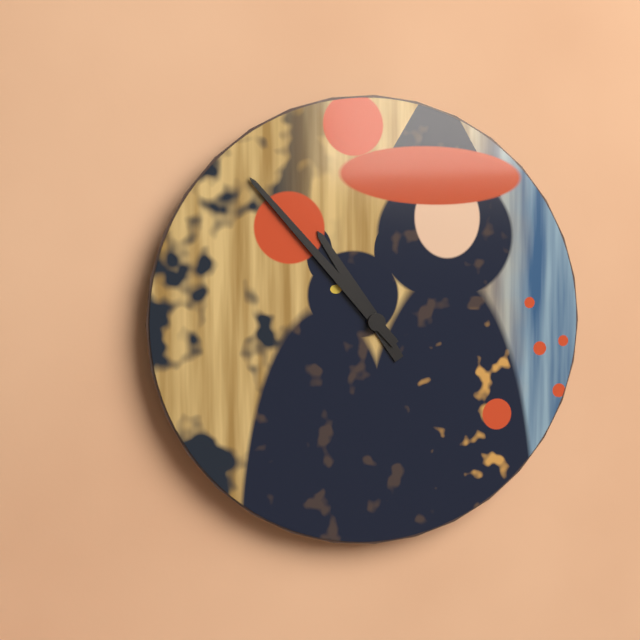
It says 10 h 53 min
